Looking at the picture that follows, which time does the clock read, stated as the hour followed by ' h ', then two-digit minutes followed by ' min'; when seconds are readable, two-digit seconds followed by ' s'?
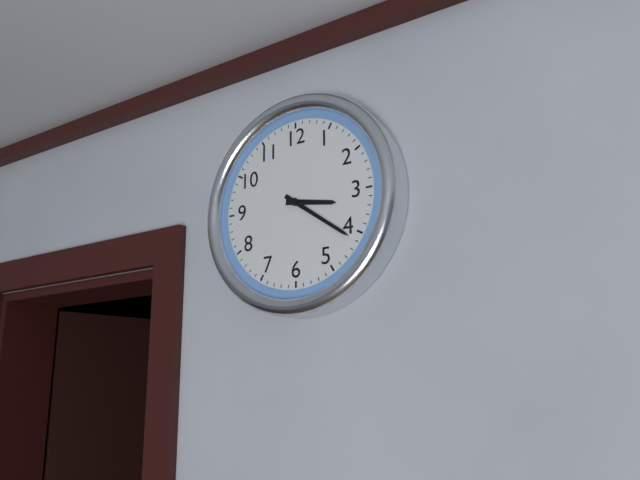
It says 3 h 21 min
